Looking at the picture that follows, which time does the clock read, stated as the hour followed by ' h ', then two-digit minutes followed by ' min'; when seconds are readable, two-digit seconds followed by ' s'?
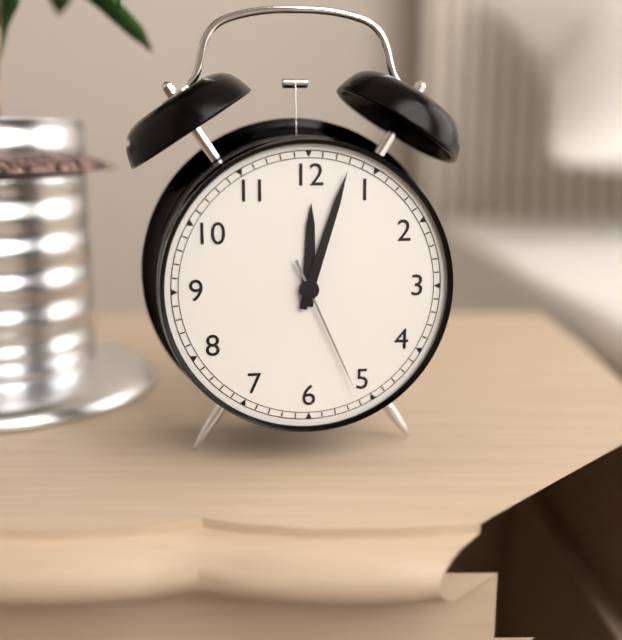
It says 12 h 03 min 26 s
